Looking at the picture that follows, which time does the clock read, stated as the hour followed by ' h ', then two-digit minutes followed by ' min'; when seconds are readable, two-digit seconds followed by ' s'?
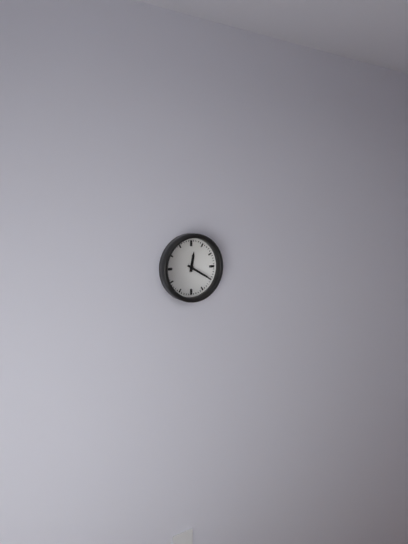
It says 12 h 20 min
